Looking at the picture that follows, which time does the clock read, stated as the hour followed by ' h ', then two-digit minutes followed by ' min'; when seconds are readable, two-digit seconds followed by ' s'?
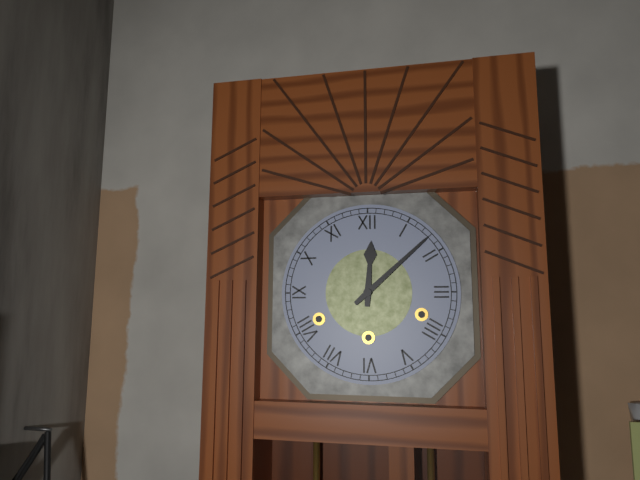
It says 12 h 08 min
